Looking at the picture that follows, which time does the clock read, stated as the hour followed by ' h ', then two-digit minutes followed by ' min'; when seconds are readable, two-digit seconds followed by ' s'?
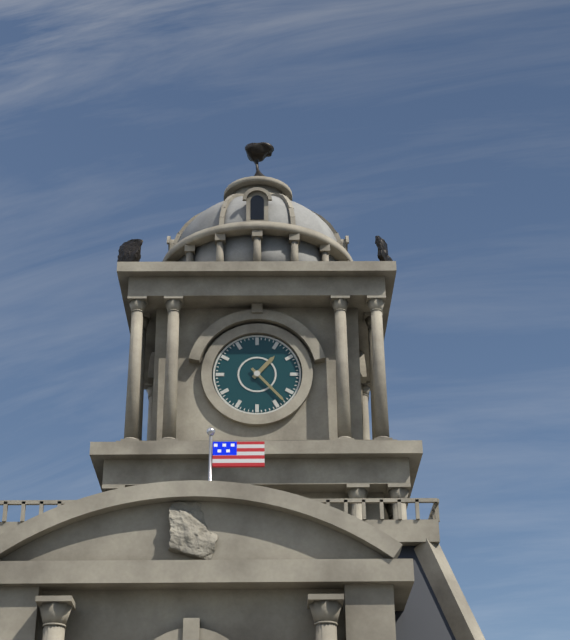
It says 1 h 23 min
